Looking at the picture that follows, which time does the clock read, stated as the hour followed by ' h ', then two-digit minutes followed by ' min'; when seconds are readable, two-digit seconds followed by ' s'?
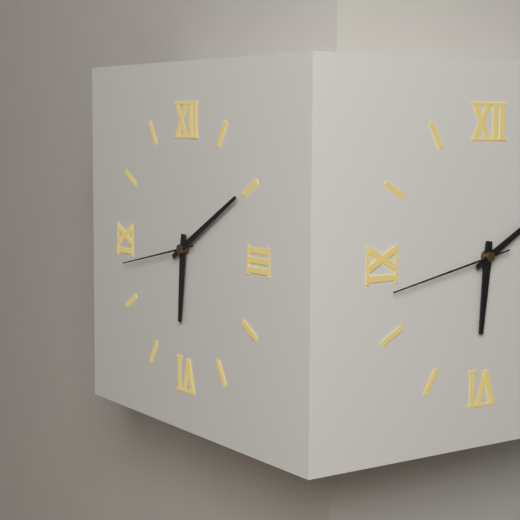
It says 6 h 10 min 43 s
